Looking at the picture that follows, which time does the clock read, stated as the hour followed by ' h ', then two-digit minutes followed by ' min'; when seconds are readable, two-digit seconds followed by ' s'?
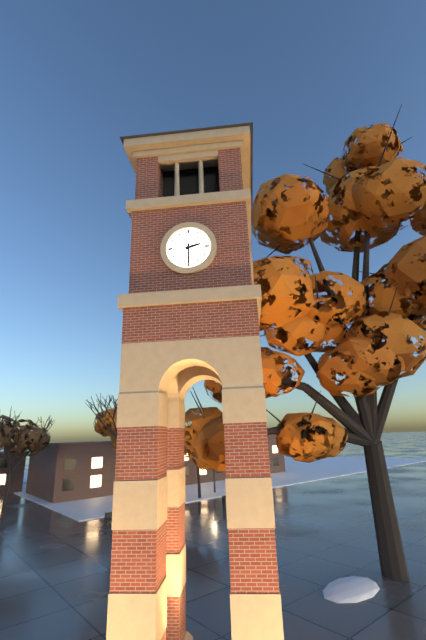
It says 2 h 30 min
